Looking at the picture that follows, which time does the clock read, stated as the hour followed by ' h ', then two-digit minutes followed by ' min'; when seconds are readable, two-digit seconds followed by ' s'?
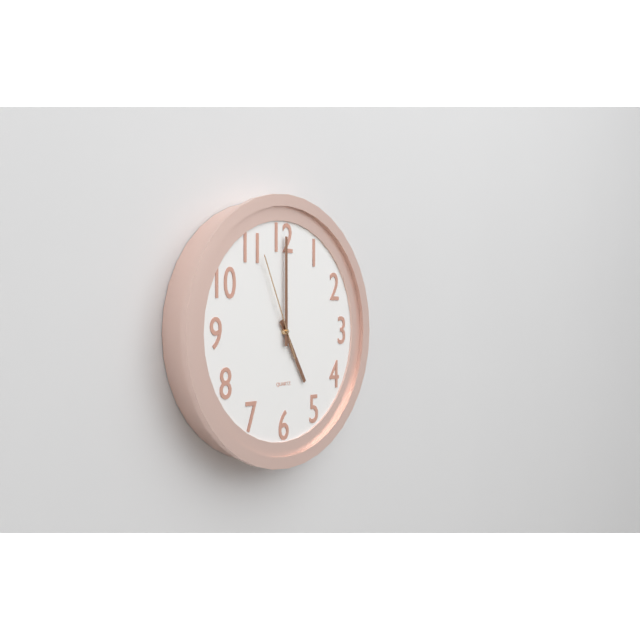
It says 5 h 00 min 56 s
